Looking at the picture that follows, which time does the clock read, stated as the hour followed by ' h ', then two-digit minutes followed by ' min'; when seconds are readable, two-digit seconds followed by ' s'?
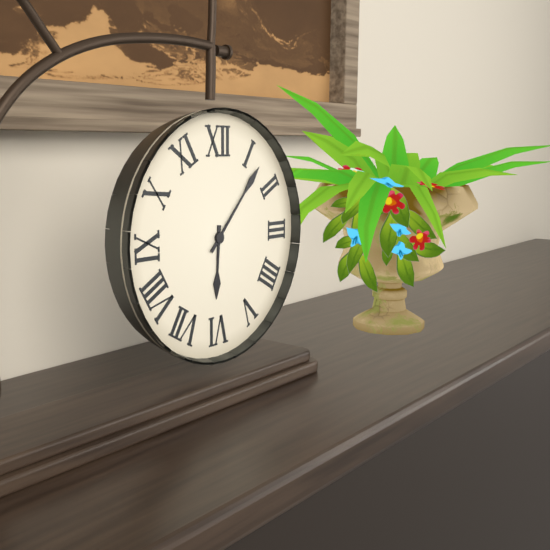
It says 6 h 07 min
